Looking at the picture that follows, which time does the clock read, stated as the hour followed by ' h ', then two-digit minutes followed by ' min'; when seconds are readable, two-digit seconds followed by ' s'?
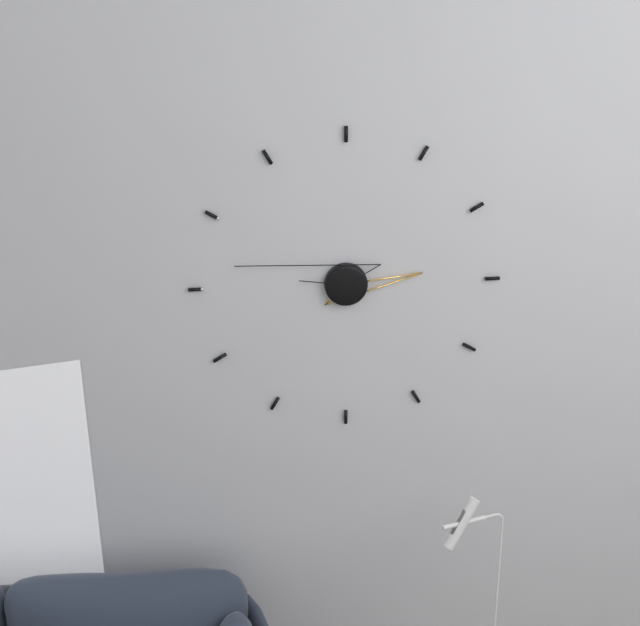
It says 2 h 47 min
